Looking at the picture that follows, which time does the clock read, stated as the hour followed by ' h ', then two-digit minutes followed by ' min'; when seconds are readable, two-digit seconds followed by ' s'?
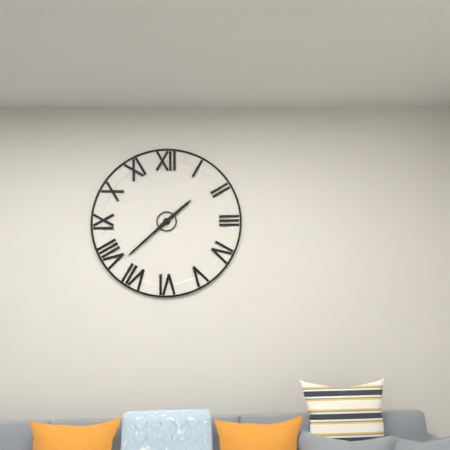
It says 1 h 38 min
